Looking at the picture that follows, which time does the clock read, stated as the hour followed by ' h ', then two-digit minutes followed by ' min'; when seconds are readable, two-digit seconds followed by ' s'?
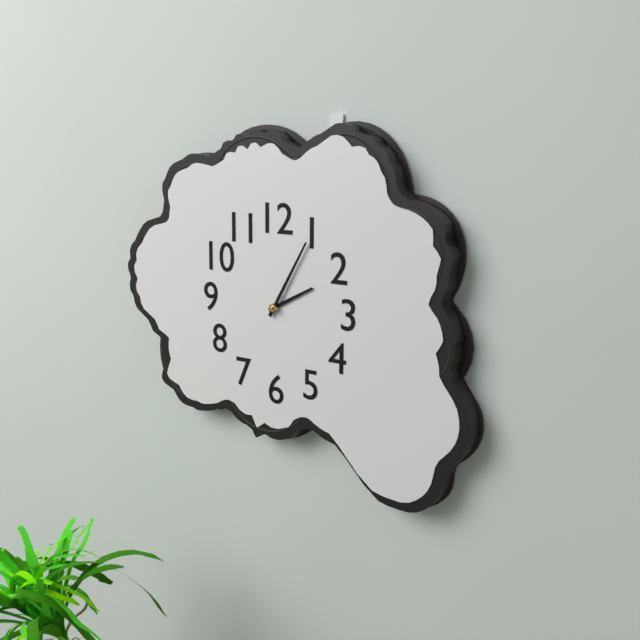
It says 2 h 05 min
